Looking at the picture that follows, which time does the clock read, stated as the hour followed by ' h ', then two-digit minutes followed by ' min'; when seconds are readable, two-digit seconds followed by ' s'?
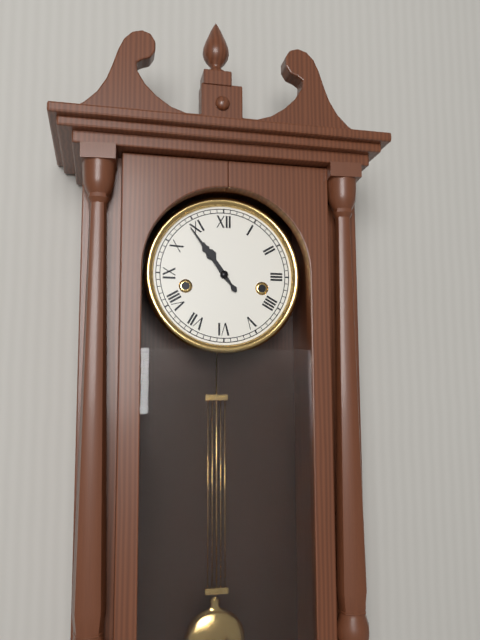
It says 10 h 54 min
